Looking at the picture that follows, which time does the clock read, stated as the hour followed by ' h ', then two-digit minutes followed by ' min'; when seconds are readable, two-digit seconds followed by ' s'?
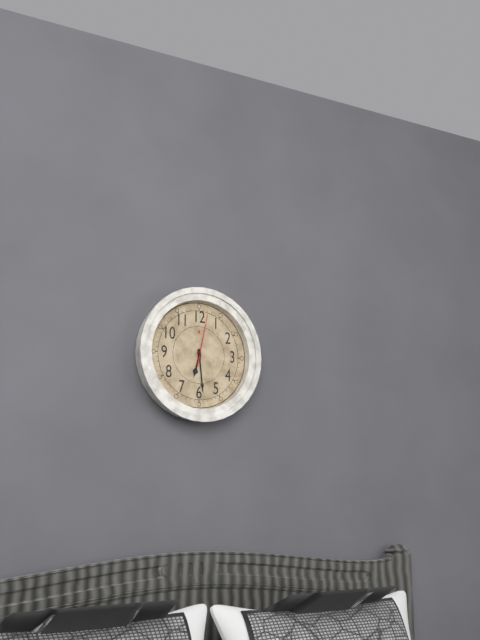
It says 6 h 29 min 02 s
